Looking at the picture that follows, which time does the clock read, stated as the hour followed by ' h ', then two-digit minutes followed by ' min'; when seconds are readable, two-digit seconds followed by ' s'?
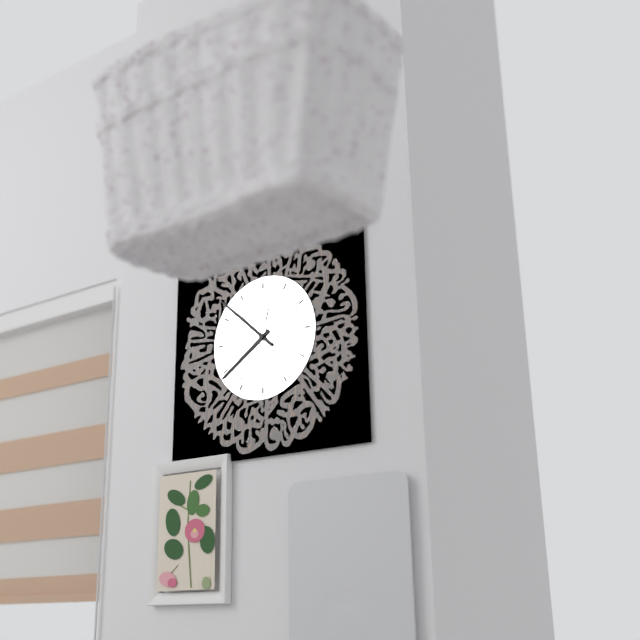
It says 7 h 52 min
